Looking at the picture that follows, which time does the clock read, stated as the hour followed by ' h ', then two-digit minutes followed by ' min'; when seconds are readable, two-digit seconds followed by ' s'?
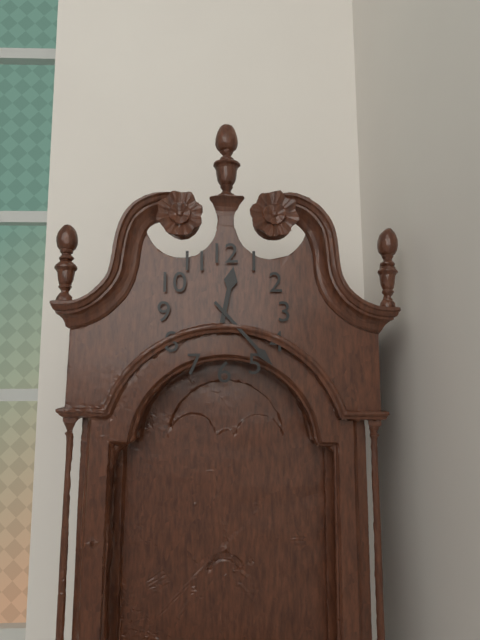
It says 12 h 23 min
